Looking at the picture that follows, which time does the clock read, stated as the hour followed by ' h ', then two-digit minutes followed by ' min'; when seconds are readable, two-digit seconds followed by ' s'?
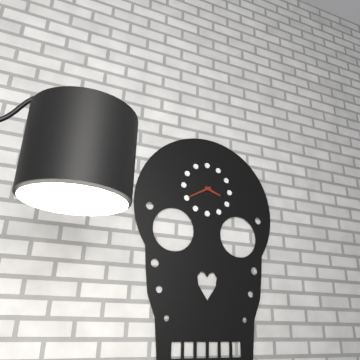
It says 3 h 40 min
